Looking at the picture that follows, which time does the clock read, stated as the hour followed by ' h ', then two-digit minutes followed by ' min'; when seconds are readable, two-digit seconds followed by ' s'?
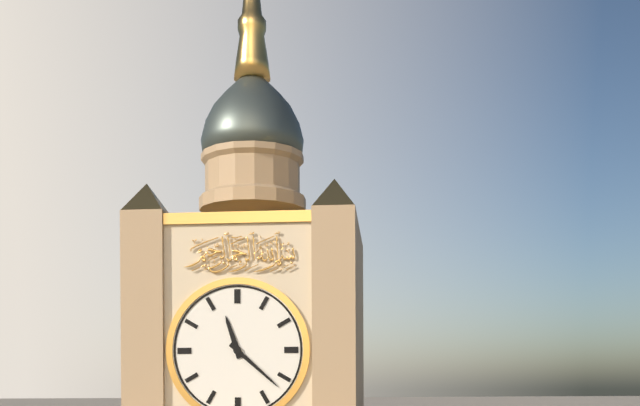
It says 11 h 22 min
